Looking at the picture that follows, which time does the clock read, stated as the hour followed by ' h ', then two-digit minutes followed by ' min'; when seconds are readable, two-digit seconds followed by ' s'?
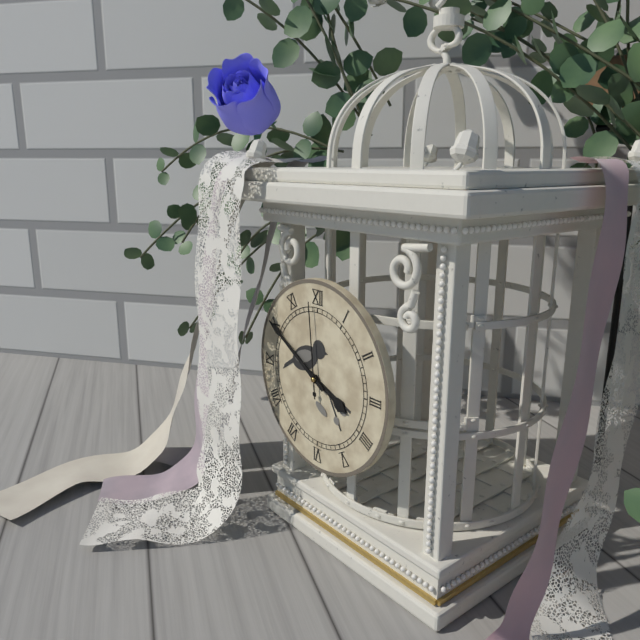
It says 3 h 50 min 59 s
